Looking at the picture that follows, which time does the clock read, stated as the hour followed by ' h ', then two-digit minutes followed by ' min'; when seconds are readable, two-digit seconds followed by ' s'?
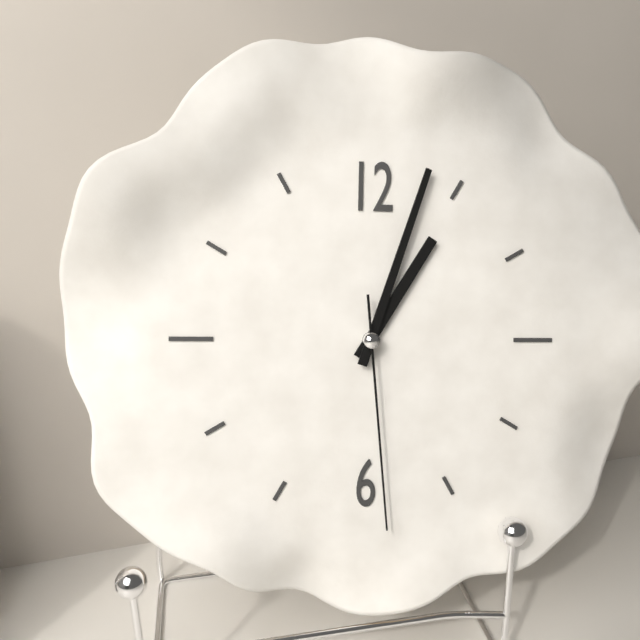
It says 1 h 03 min 29 s
